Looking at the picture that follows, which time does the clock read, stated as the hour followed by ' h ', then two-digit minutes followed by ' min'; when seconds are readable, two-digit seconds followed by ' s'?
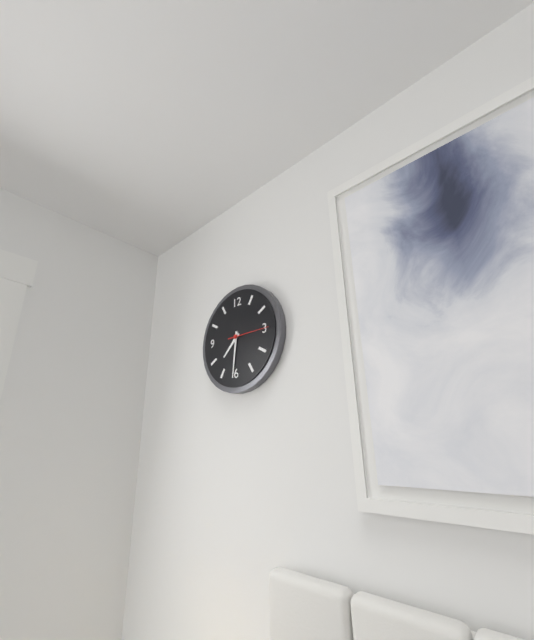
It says 7 h 31 min
